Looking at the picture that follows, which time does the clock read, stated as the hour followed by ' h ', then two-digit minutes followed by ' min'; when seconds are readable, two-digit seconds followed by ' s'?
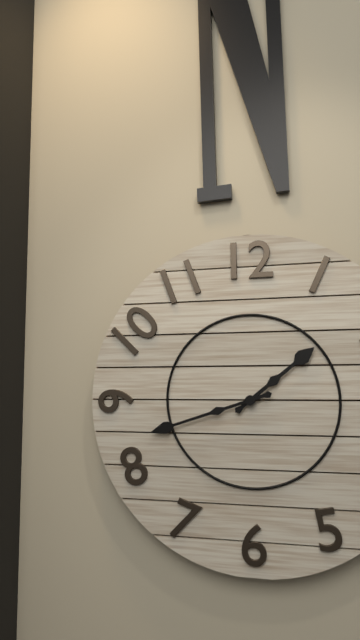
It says 1 h 42 min
